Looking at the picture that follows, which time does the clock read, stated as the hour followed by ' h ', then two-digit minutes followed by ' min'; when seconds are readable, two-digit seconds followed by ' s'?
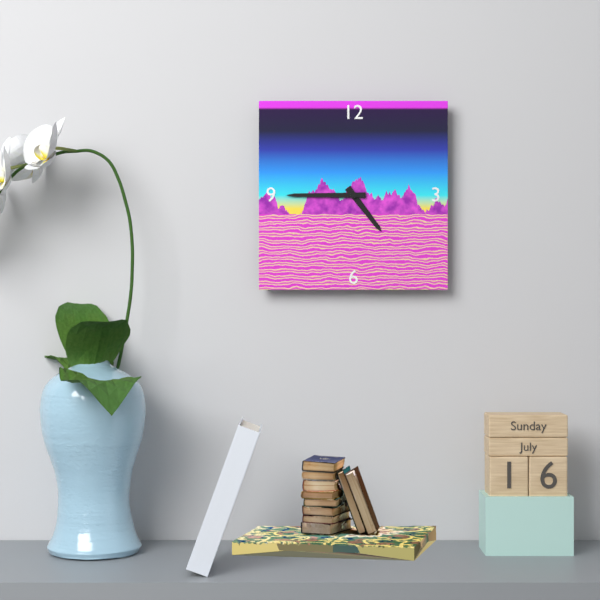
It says 4 h 45 min
